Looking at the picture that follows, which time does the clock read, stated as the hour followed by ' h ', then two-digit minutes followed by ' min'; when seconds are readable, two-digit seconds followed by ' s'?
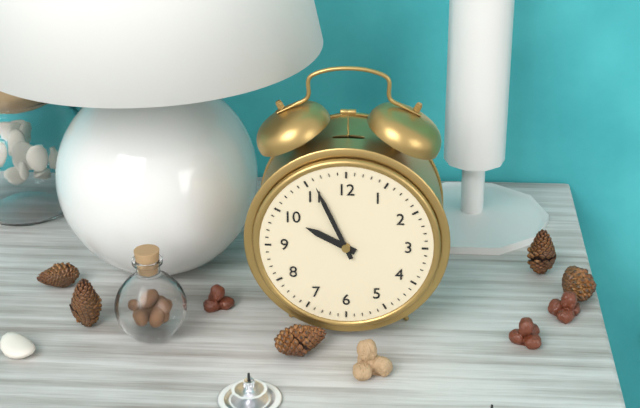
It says 9 h 56 min
